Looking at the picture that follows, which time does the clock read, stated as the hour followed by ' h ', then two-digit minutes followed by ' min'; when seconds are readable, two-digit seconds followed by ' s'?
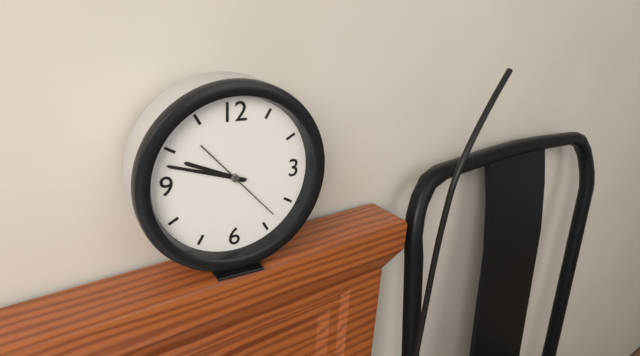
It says 9 h 48 min 23 s
